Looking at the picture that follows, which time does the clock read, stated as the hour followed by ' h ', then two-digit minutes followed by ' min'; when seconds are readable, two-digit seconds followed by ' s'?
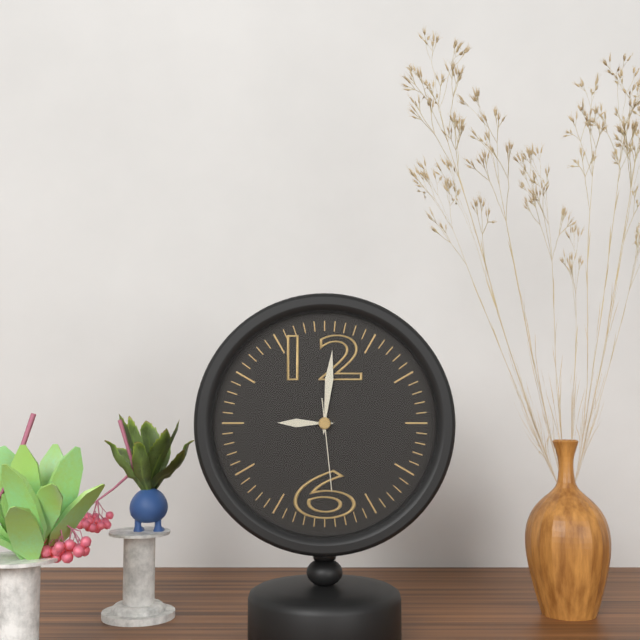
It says 9 h 01 min 29 s
